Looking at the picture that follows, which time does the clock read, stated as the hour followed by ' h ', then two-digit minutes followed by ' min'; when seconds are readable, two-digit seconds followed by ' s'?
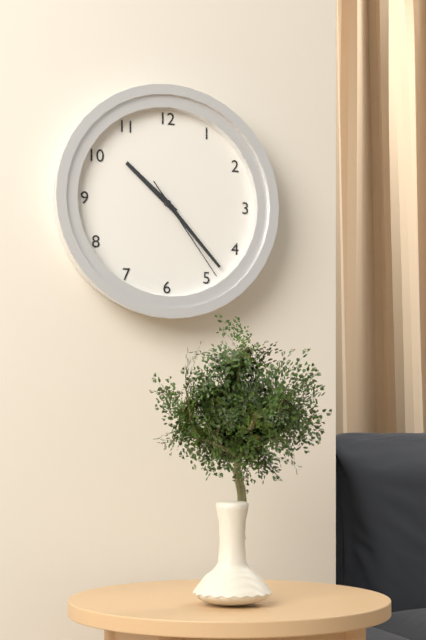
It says 10 h 23 min 24 s
